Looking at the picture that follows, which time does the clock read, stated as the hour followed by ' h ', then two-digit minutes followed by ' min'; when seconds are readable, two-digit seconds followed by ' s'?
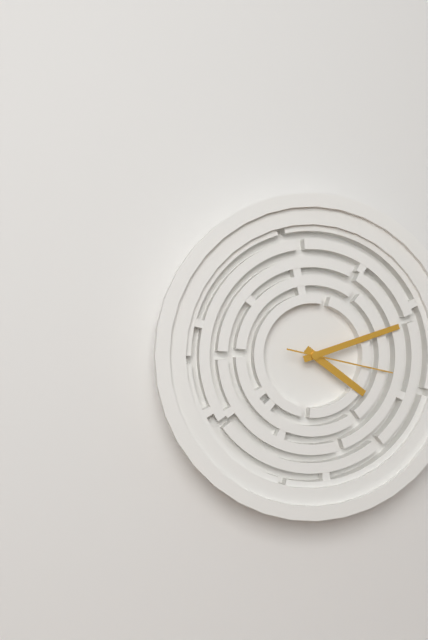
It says 4 h 12 min 17 s
